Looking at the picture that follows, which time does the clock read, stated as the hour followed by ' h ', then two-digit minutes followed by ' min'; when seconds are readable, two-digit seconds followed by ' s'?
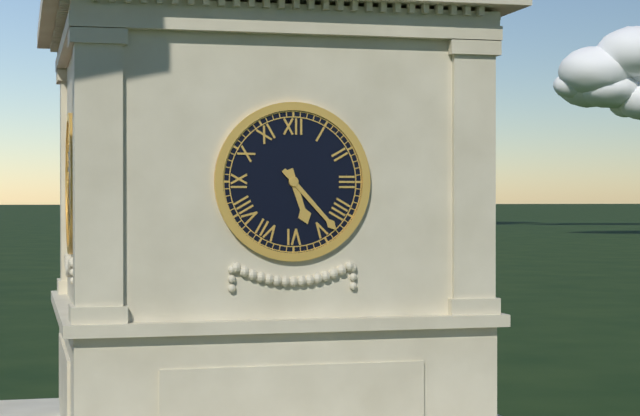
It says 5 h 23 min
